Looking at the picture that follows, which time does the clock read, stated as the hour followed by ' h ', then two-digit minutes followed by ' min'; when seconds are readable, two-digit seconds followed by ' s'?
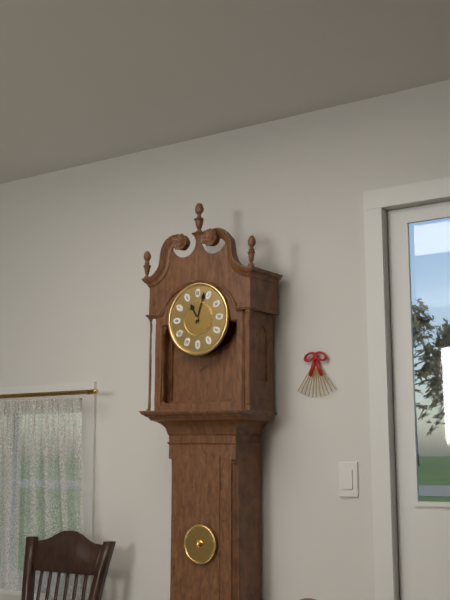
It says 11 h 03 min
